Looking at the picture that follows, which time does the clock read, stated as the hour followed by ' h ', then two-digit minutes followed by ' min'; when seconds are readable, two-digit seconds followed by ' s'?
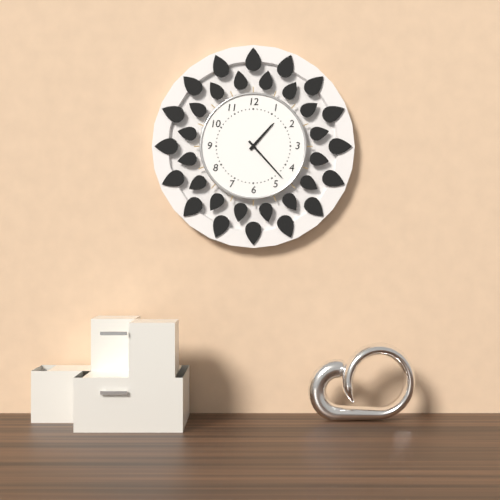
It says 1 h 23 min
